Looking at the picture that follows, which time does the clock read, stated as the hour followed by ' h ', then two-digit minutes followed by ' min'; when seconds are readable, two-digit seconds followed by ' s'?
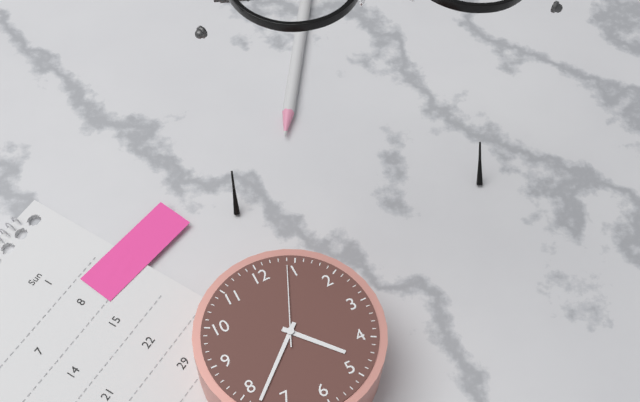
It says 4 h 38 min 04 s
